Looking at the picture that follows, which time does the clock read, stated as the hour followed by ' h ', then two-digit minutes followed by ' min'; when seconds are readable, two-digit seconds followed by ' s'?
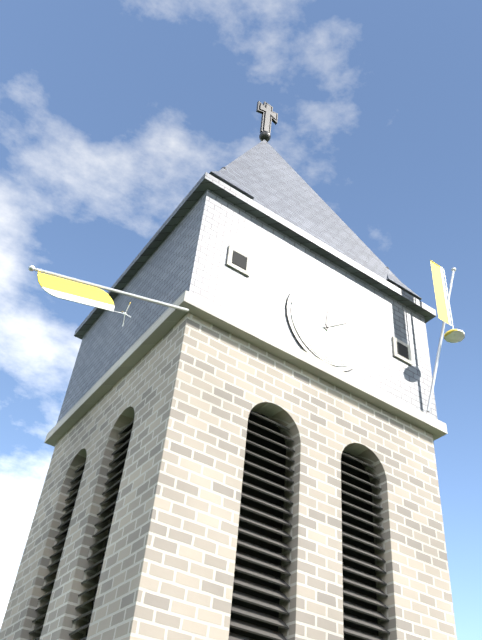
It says 12 h 09 min
